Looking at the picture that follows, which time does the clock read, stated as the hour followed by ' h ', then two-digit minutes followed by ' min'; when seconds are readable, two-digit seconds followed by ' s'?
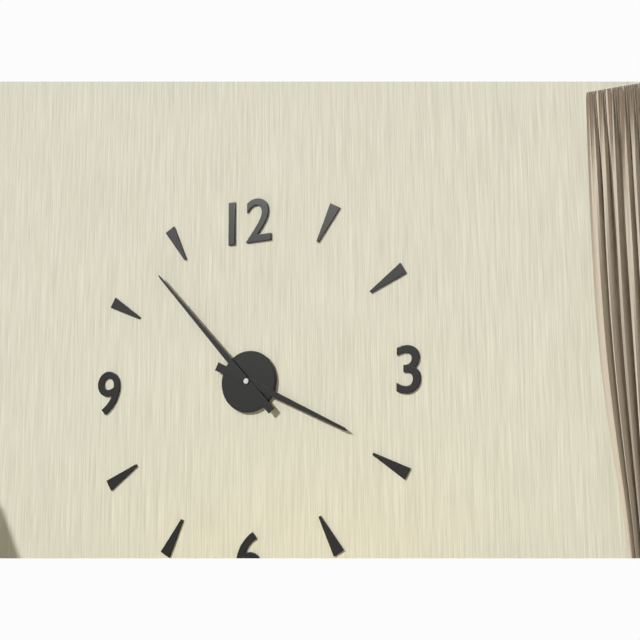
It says 3 h 53 min
